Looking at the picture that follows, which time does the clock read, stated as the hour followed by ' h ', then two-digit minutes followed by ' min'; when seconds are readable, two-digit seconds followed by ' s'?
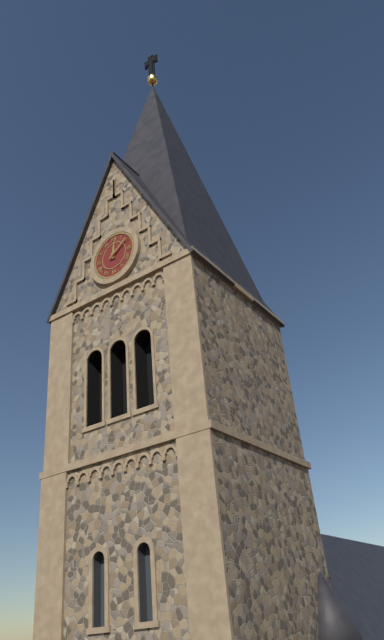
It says 12 h 09 min
